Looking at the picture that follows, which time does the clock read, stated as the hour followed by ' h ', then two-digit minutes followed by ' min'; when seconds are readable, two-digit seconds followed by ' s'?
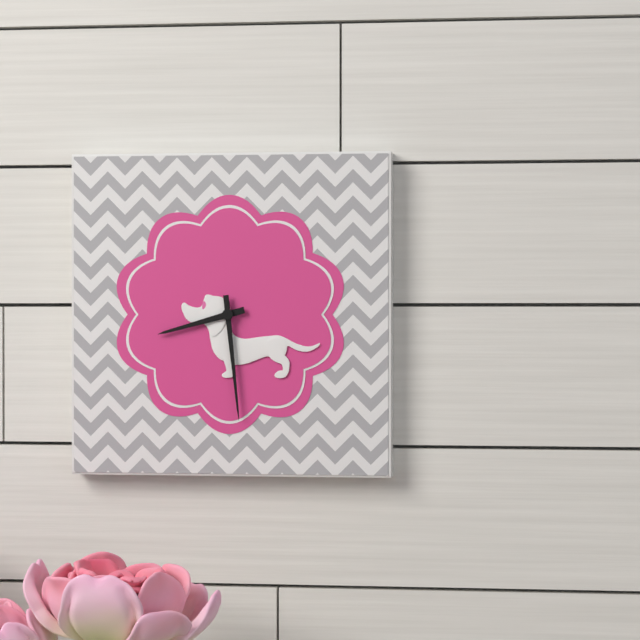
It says 8 h 29 min
